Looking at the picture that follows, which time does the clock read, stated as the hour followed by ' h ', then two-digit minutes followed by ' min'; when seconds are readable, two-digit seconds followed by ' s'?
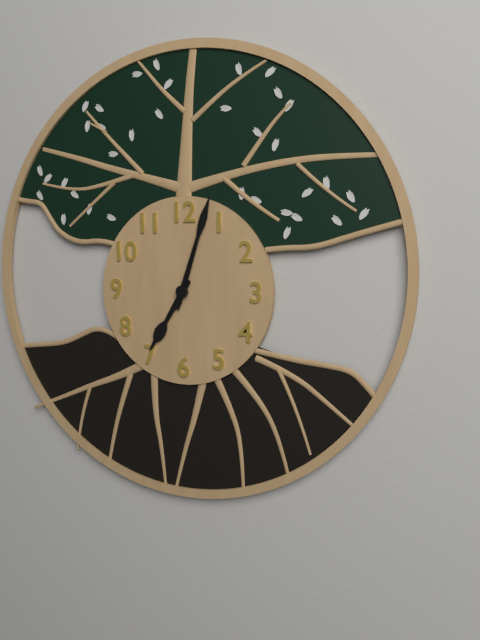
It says 7 h 03 min 03 s
